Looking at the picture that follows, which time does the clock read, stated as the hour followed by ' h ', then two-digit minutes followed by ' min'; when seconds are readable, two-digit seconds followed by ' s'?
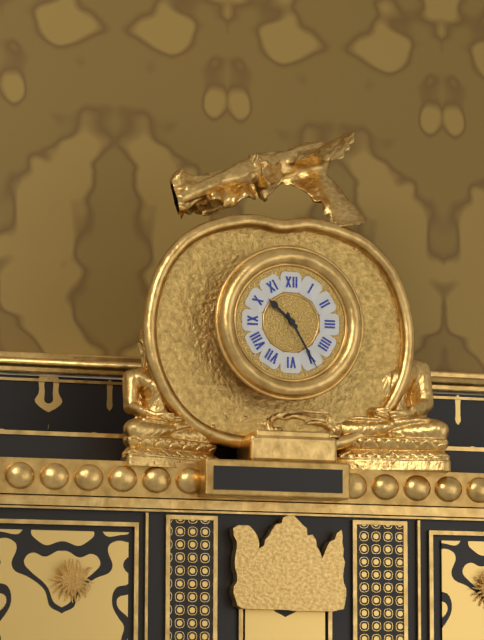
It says 10 h 25 min
